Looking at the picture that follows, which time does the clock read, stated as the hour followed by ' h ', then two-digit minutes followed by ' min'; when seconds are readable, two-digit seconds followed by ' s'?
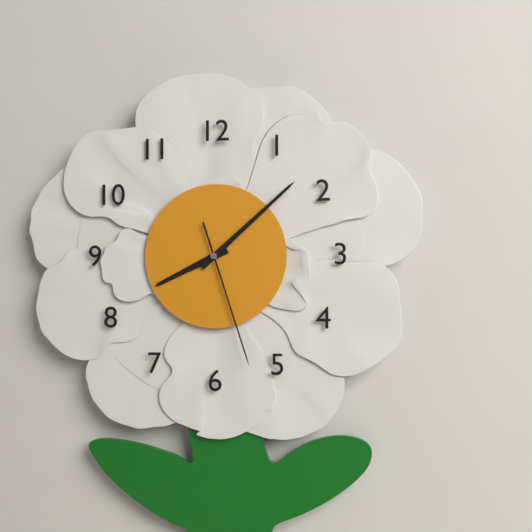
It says 8 h 08 min 27 s
